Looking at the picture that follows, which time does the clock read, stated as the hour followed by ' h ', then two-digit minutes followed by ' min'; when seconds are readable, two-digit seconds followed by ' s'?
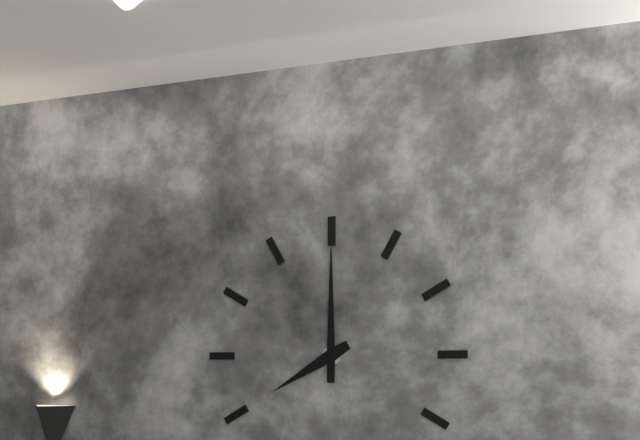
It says 8 h 00 min
